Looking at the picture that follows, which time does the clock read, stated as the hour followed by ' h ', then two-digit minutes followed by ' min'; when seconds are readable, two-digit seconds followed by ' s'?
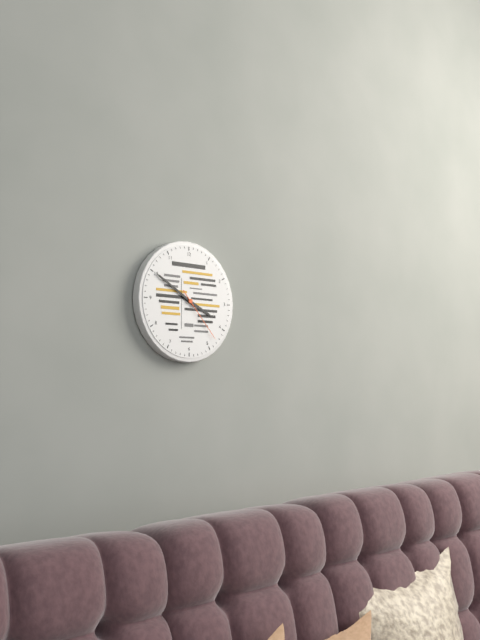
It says 3 h 50 min 23 s
